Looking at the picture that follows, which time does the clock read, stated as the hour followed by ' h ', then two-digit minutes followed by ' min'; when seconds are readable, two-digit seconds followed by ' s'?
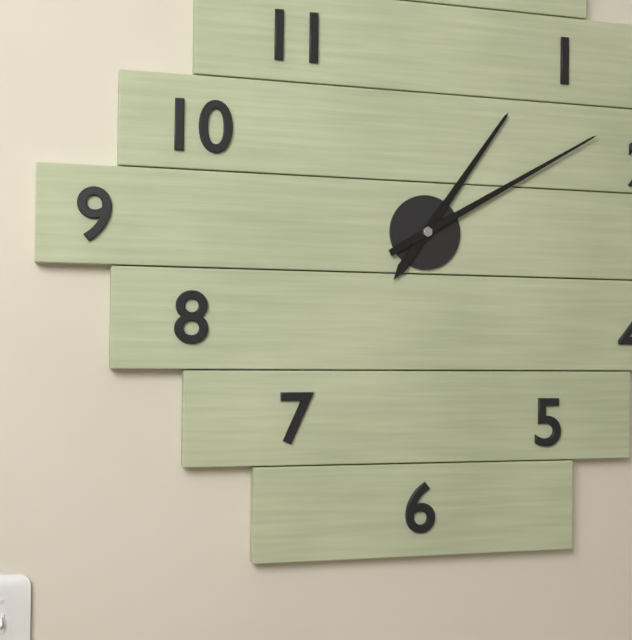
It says 1 h 10 min
